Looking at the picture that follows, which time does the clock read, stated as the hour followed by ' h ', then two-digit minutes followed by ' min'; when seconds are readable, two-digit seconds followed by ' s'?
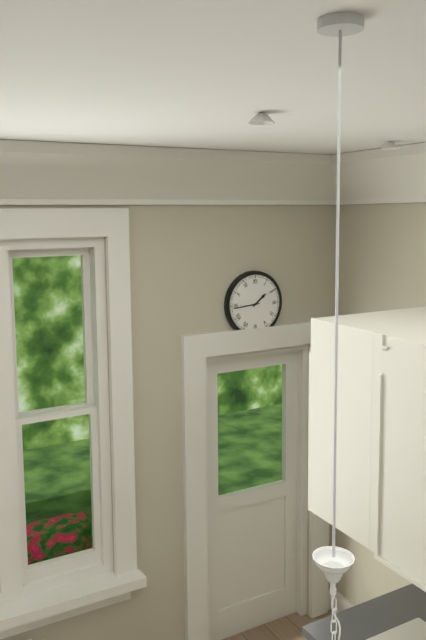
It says 1 h 44 min
